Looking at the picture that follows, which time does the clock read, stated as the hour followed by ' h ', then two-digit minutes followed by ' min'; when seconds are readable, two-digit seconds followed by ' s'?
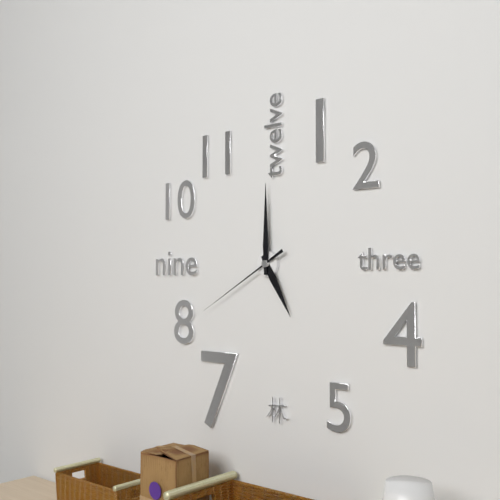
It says 5 h 00 min 40 s
